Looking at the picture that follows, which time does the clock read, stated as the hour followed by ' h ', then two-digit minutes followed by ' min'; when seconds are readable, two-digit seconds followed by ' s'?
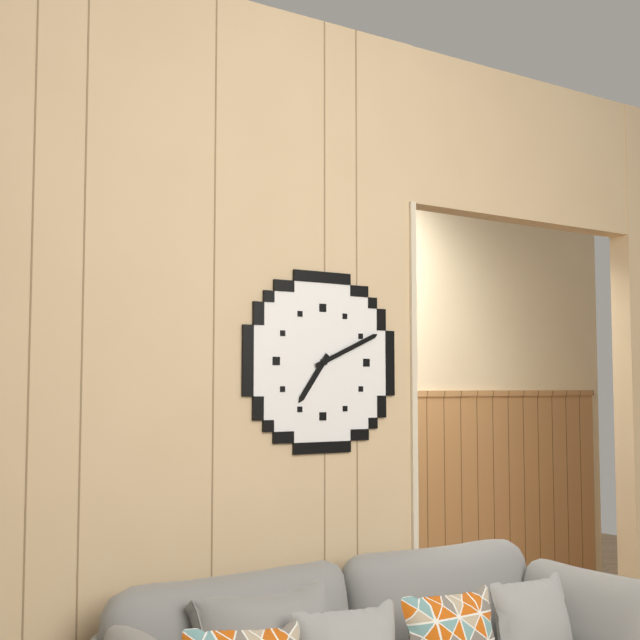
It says 7 h 11 min
